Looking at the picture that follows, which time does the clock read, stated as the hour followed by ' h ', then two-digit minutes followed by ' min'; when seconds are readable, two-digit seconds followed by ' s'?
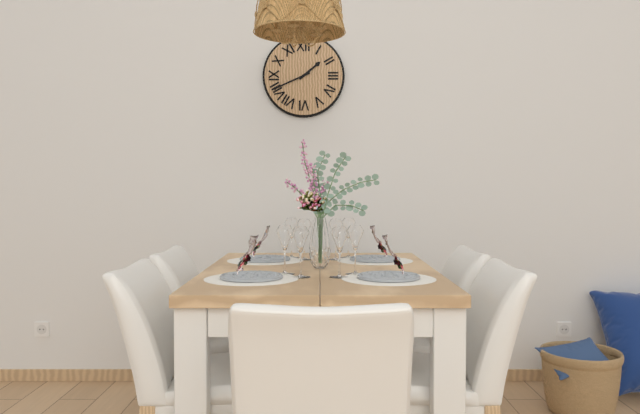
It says 1 h 41 min
